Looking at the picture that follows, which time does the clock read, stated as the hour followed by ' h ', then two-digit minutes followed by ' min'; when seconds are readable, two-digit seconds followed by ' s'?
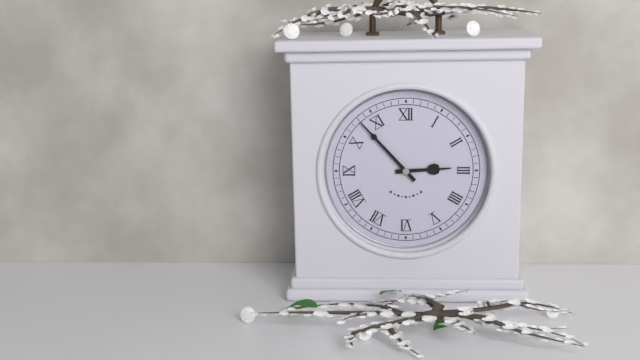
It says 2 h 53 min
